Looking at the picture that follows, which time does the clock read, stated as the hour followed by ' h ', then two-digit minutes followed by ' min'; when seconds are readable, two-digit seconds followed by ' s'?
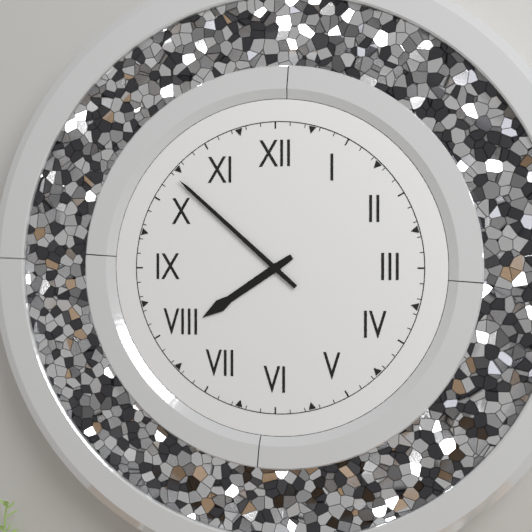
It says 7 h 52 min
